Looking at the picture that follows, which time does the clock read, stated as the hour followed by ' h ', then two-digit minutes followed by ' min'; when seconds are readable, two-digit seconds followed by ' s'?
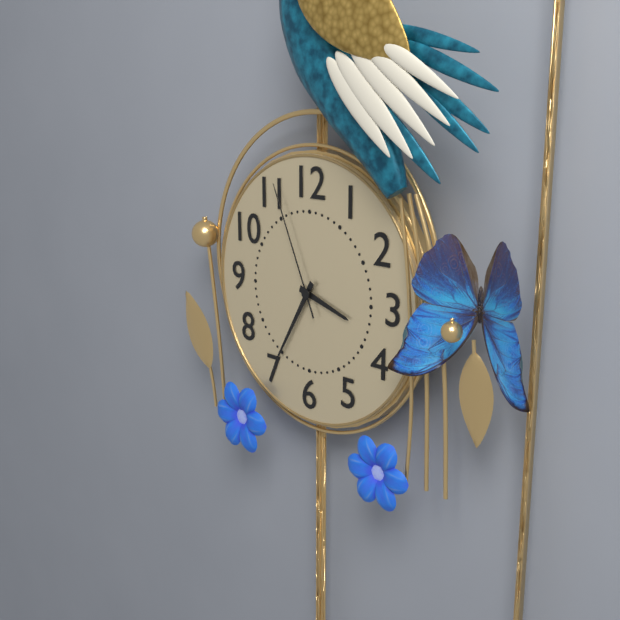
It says 3 h 35 min 56 s
